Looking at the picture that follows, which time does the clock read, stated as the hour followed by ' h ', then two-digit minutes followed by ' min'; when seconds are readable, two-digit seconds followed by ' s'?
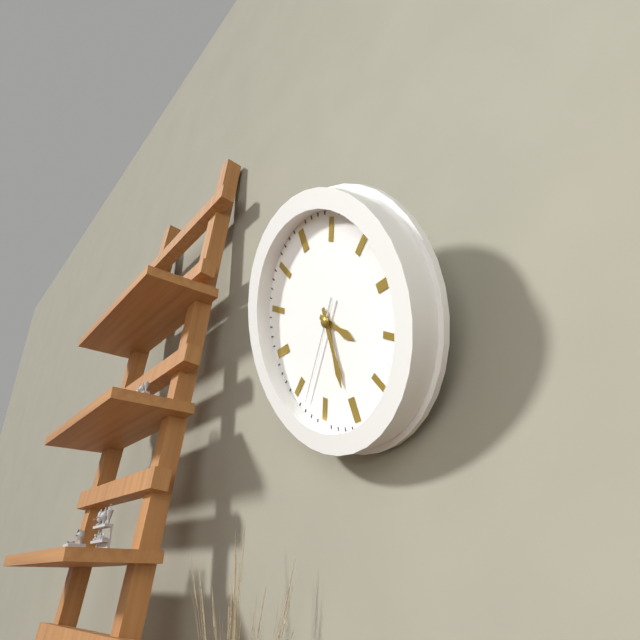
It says 4 h 31 min 38 s
